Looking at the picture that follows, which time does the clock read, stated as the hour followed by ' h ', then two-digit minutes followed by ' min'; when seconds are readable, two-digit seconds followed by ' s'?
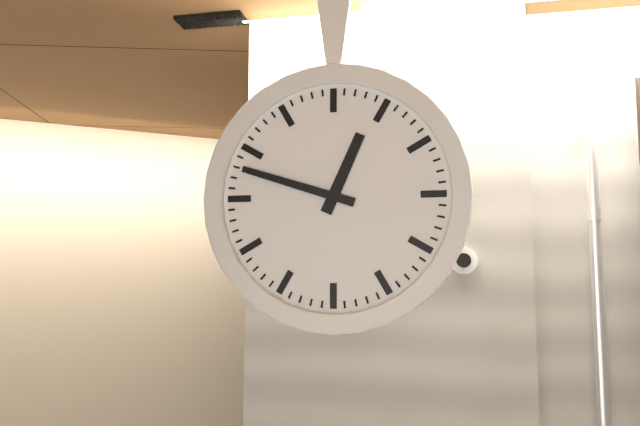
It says 12 h 48 min
